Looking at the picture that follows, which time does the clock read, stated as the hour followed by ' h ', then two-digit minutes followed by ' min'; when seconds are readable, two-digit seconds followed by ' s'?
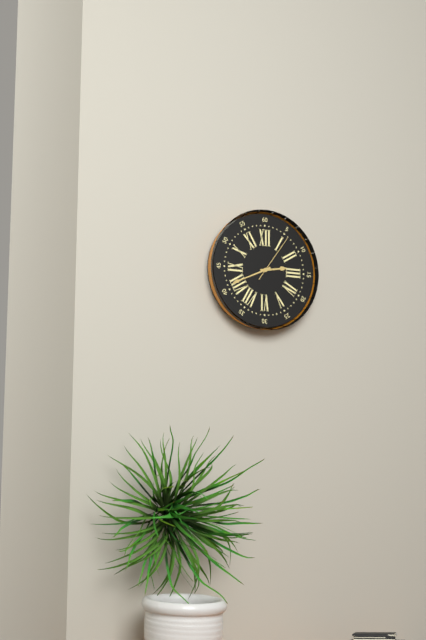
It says 2 h 41 min 06 s
